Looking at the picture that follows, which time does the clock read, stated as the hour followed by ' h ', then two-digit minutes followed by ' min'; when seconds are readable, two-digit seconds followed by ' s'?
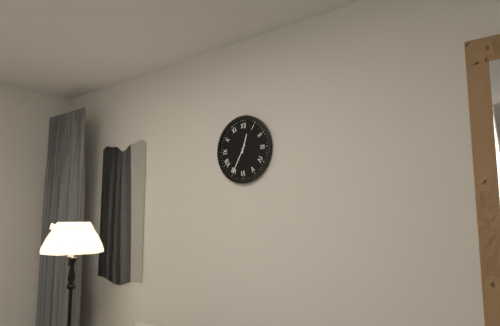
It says 12 h 35 min
